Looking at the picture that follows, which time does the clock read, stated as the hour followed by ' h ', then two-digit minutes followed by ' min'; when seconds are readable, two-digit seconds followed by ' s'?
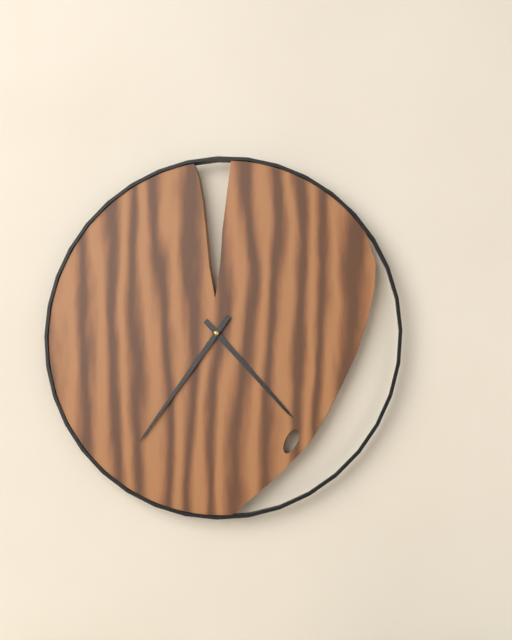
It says 4 h 36 min
